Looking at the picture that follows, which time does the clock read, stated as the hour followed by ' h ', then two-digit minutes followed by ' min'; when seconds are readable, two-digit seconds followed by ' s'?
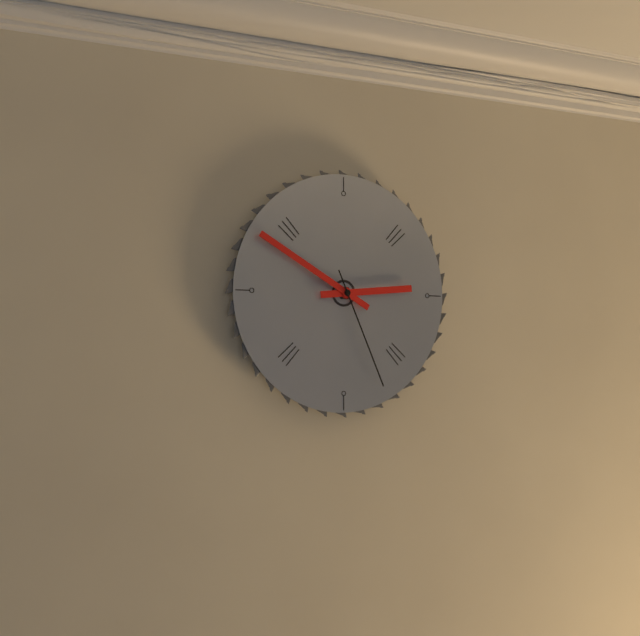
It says 2 h 50 min 26 s
